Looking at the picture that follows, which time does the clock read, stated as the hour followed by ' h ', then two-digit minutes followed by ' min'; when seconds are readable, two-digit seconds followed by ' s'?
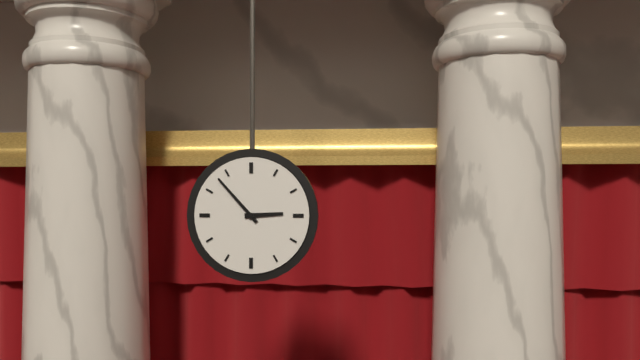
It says 2 h 53 min
